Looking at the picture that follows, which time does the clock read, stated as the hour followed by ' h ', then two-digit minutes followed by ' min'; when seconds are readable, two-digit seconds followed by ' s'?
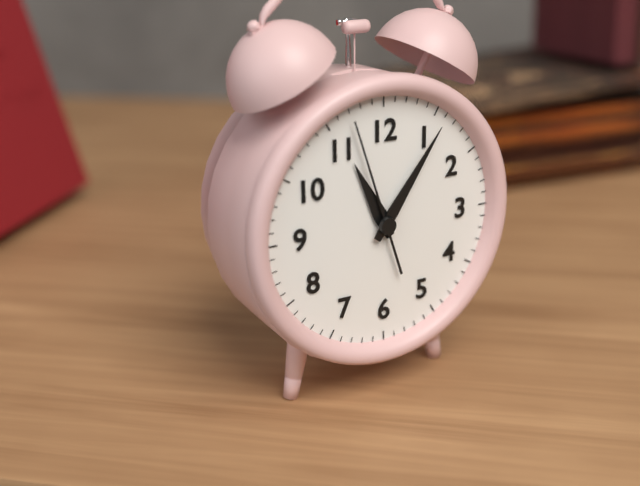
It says 11 h 06 min 57 s
